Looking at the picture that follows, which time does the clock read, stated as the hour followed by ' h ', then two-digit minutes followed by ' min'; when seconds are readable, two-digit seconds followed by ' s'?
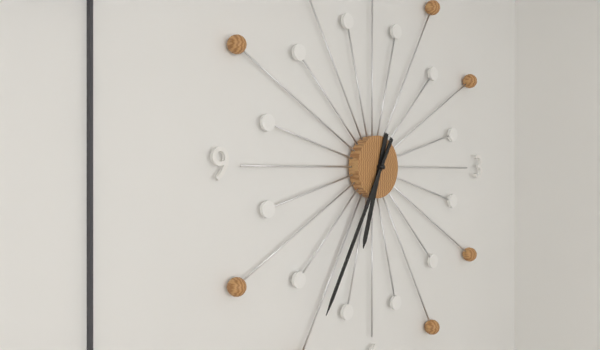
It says 6 h 35 min
